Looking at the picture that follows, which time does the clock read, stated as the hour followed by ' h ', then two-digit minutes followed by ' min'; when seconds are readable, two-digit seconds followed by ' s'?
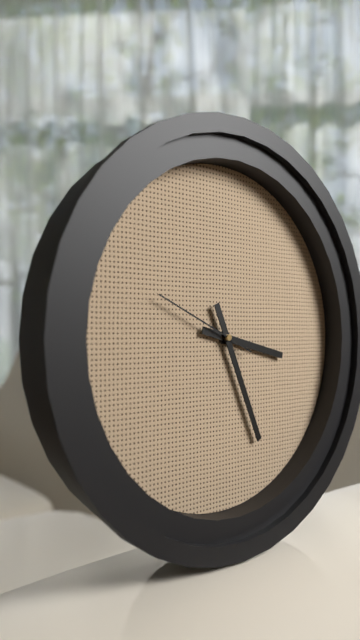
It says 3 h 26 min 49 s
